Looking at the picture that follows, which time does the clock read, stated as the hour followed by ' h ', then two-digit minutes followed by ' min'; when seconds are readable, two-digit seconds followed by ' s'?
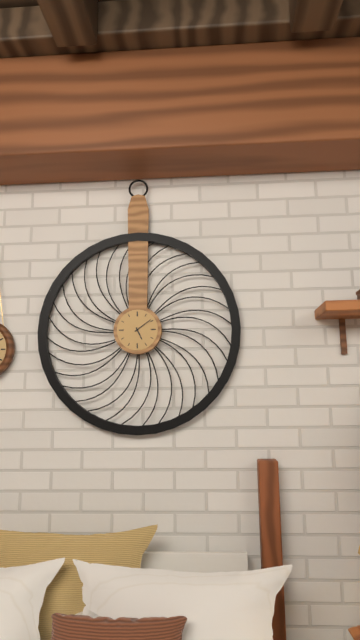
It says 5 h 09 min
